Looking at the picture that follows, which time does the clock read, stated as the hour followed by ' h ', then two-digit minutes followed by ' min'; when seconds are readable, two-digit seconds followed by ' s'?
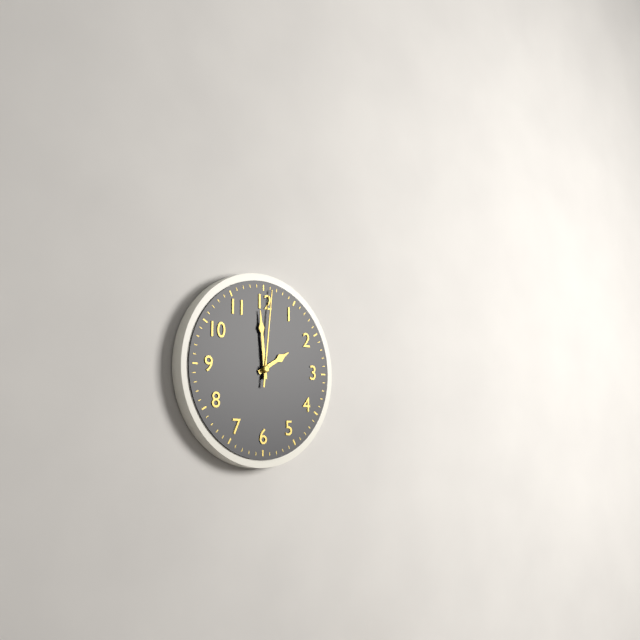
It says 1 h 59 min 01 s
